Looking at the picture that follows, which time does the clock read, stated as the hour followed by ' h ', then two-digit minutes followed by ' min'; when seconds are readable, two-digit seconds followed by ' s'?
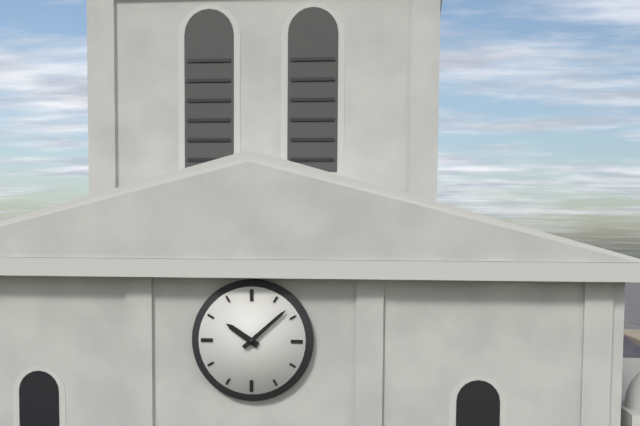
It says 10 h 08 min
